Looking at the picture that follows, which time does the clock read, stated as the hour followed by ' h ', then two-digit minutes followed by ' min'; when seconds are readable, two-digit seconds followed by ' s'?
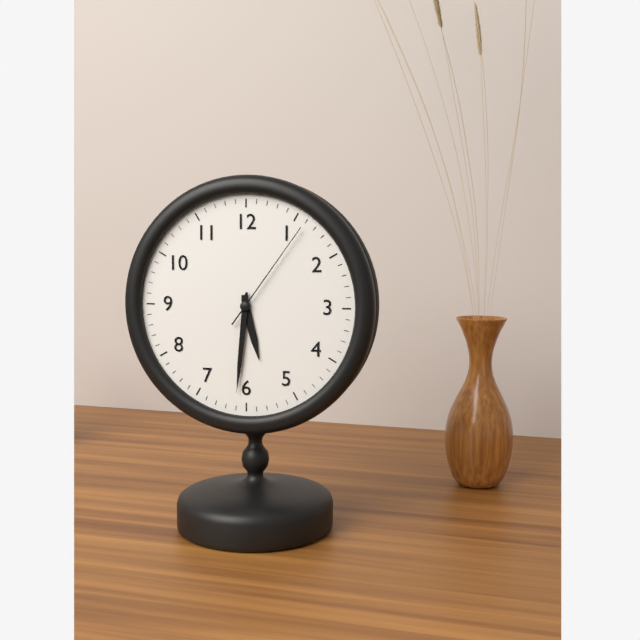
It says 5 h 31 min 06 s
